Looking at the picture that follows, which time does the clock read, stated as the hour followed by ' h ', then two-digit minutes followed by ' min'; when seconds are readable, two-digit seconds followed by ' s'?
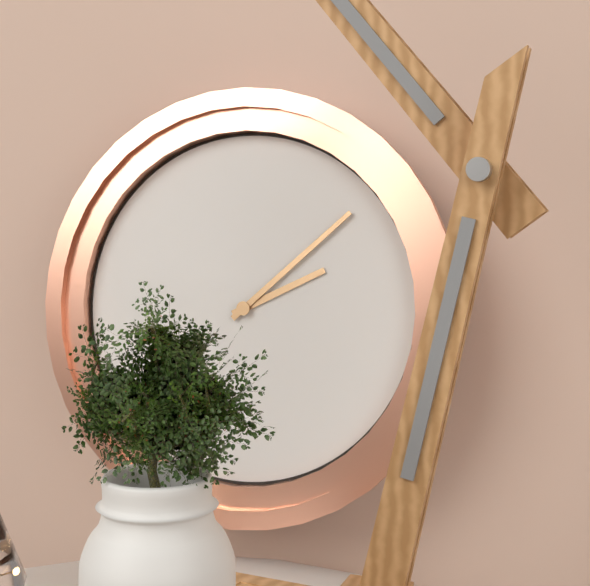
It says 2 h 08 min
